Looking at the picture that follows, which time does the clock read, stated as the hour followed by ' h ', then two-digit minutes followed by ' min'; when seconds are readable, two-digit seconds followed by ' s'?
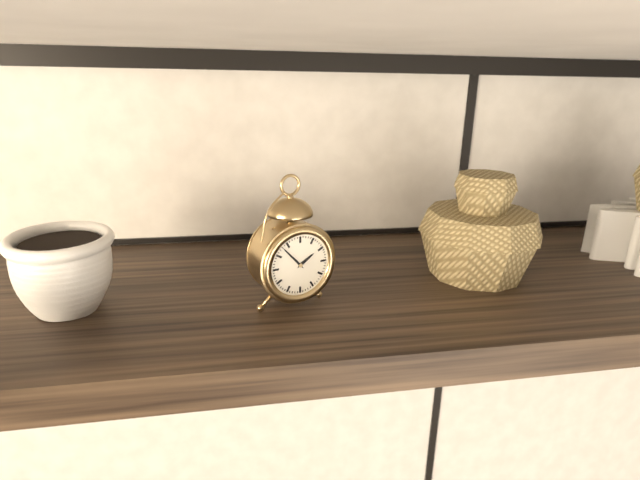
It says 1 h 53 min
